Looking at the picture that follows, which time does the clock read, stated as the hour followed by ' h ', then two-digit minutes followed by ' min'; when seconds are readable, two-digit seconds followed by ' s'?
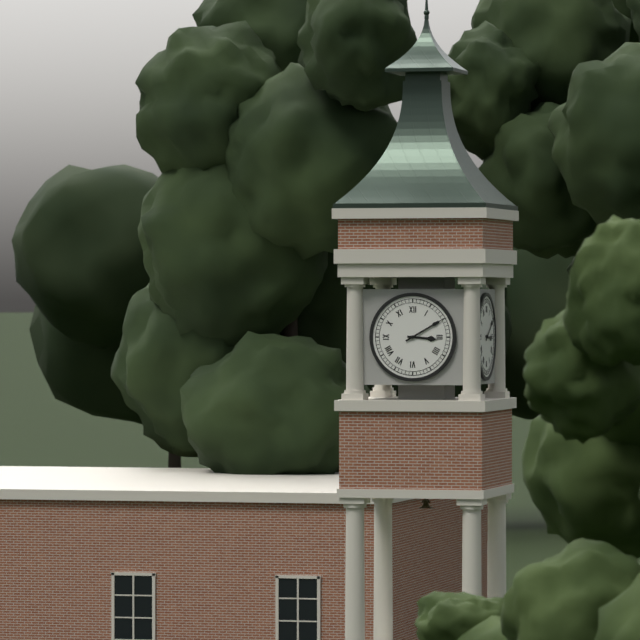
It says 3 h 10 min
